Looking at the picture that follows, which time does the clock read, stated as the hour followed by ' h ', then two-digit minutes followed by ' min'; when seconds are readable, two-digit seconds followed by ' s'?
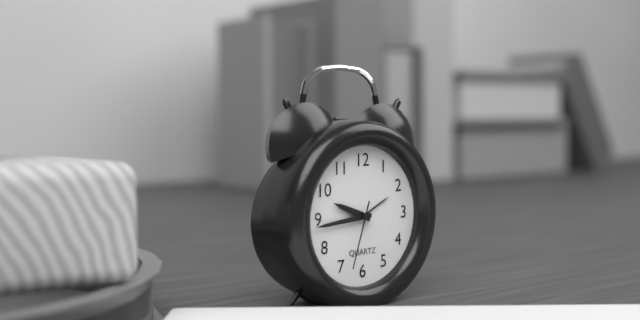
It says 9 h 44 min 33 s
